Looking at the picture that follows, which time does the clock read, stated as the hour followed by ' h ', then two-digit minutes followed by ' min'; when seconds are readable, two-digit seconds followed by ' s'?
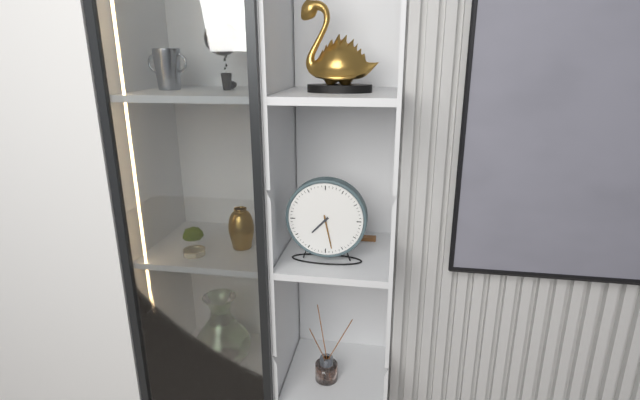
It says 7 h 28 min
